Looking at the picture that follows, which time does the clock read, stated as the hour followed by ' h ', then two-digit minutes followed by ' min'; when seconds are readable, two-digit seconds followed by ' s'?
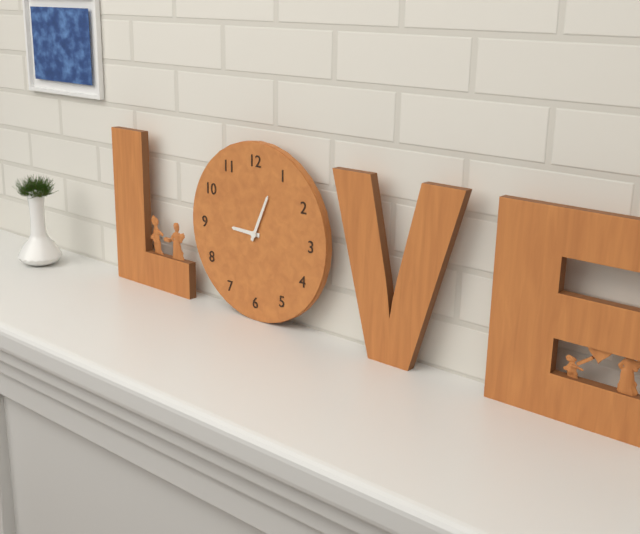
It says 9 h 04 min
